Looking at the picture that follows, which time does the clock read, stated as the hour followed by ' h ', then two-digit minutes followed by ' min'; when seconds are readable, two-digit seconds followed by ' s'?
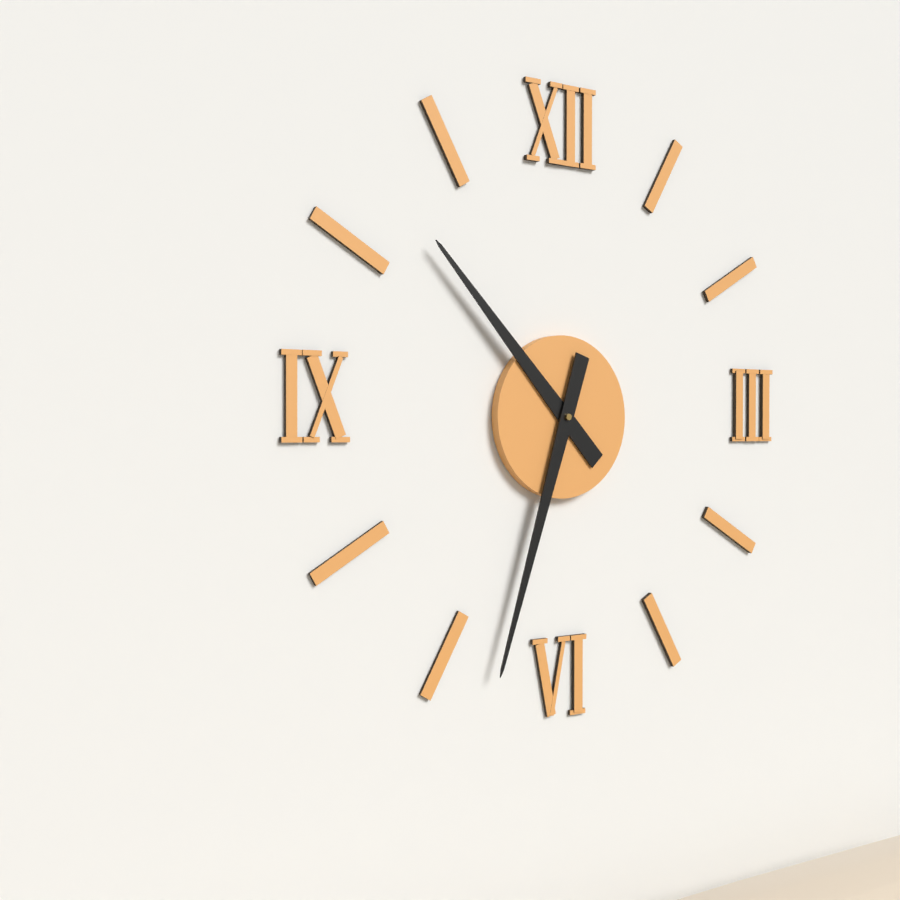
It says 10 h 33 min
